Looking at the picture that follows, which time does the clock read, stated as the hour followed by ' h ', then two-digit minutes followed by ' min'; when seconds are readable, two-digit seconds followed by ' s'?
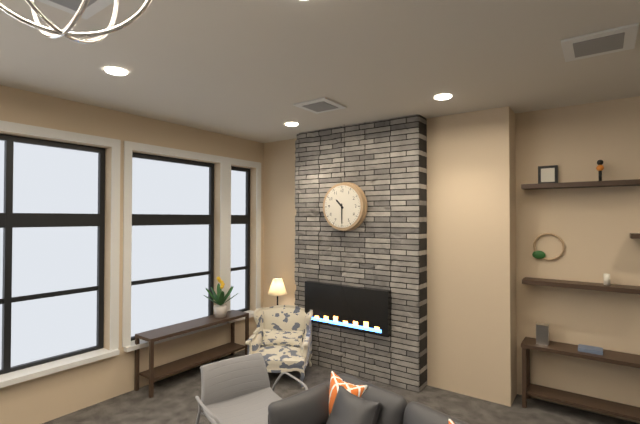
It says 10 h 30 min
